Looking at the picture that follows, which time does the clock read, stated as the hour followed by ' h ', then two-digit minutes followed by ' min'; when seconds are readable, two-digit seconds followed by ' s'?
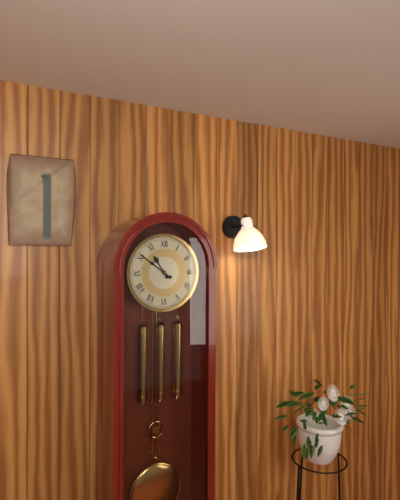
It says 10 h 51 min
